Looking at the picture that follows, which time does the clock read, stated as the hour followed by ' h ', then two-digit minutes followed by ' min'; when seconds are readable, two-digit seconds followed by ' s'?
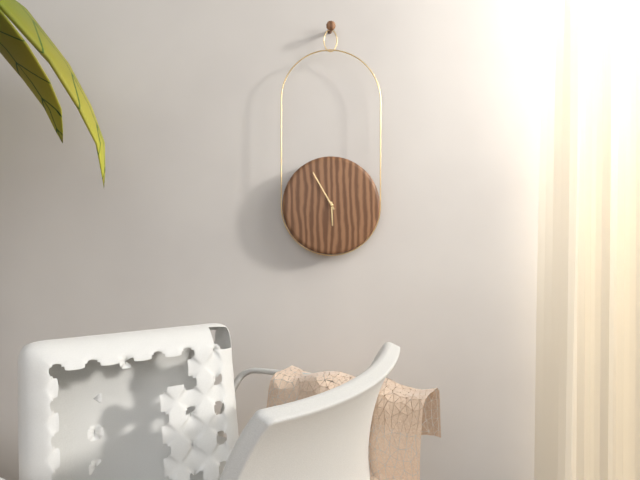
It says 5 h 55 min
